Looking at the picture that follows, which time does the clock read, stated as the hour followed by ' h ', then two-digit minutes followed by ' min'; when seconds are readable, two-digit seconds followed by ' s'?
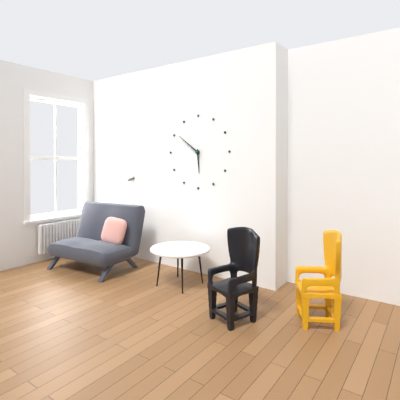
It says 5 h 51 min
